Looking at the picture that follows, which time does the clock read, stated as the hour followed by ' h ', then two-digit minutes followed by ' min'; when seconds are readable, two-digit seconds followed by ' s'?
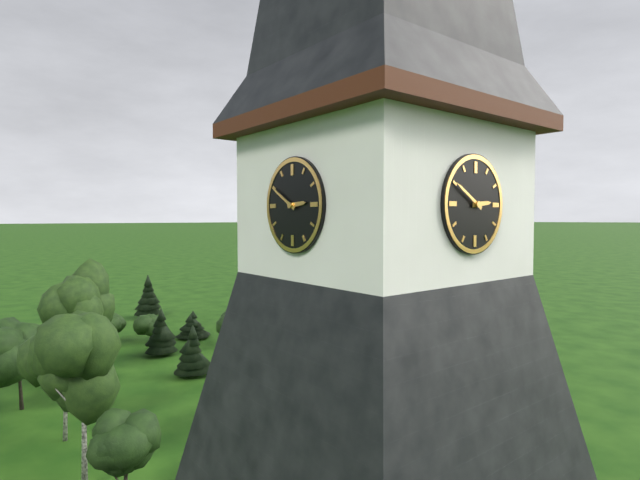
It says 2 h 50 min
